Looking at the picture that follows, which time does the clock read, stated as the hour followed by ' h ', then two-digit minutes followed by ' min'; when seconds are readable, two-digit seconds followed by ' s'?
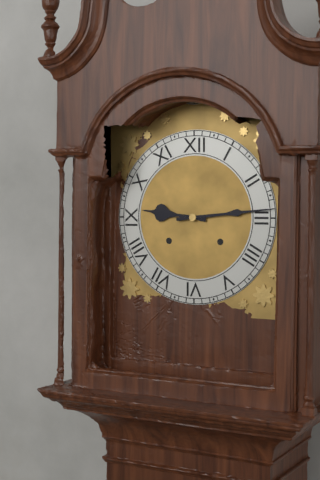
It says 9 h 14 min
